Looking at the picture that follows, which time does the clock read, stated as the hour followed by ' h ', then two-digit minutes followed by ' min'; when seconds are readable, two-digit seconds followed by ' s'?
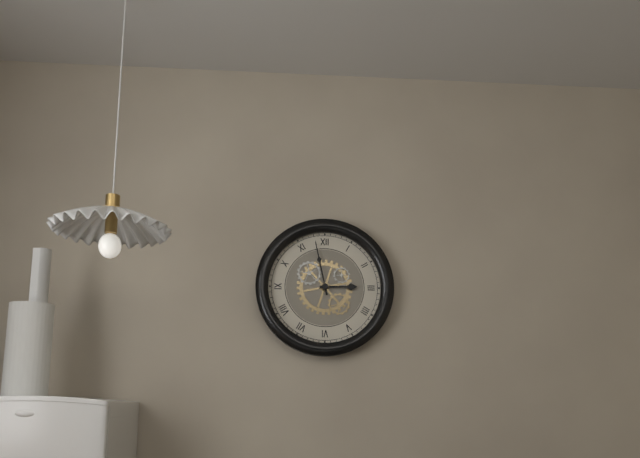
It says 2 h 58 min
